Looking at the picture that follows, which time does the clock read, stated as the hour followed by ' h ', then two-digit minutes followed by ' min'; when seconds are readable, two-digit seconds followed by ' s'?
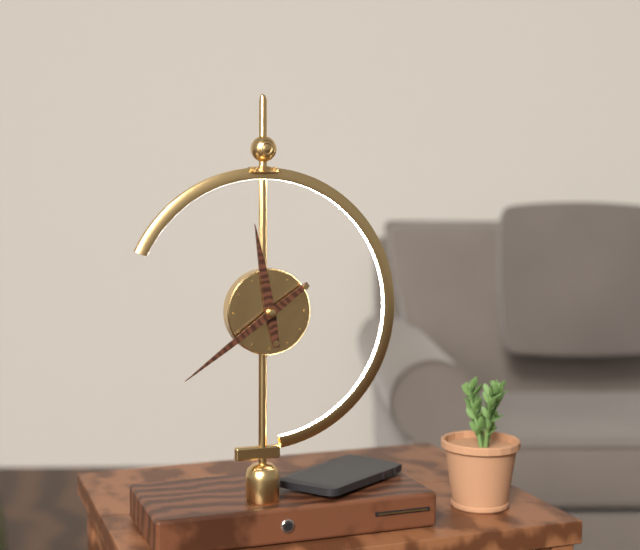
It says 11 h 39 min
